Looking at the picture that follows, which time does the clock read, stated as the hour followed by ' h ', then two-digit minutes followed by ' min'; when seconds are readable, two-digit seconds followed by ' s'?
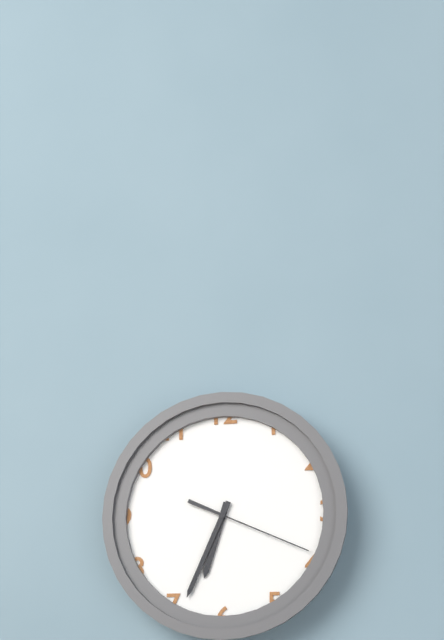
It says 6 h 34 min 19 s
